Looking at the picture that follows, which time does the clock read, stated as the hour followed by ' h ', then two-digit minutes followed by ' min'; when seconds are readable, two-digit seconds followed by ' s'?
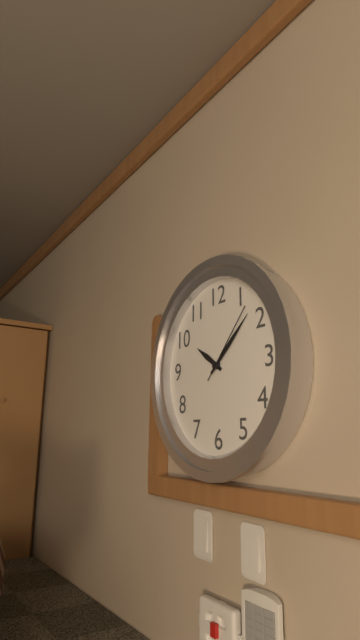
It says 10 h 08 min 07 s
